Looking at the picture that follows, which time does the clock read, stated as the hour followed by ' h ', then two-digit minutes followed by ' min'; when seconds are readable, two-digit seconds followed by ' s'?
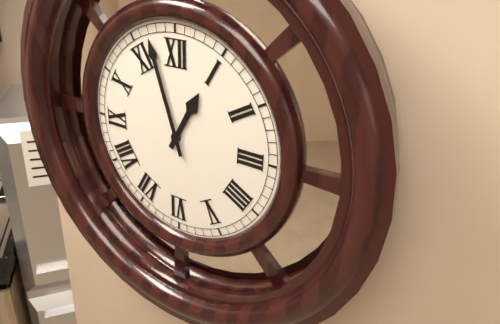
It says 12 h 57 min
